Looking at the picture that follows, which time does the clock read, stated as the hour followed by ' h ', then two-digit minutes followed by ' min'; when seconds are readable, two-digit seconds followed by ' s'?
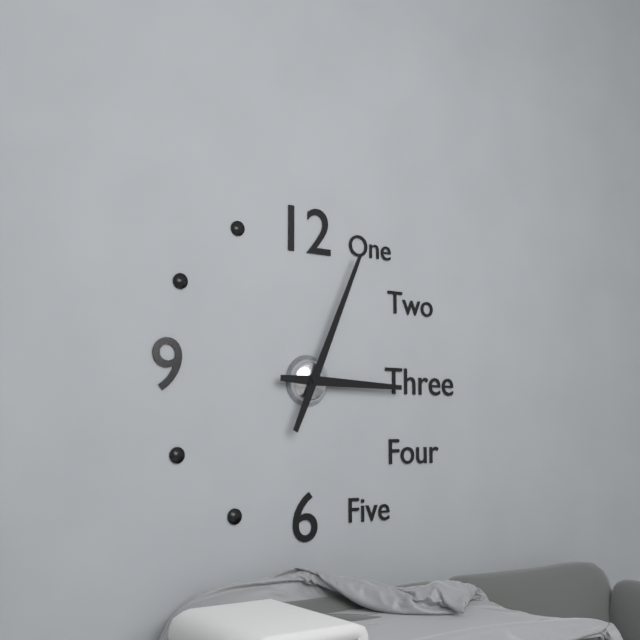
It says 3 h 04 min
